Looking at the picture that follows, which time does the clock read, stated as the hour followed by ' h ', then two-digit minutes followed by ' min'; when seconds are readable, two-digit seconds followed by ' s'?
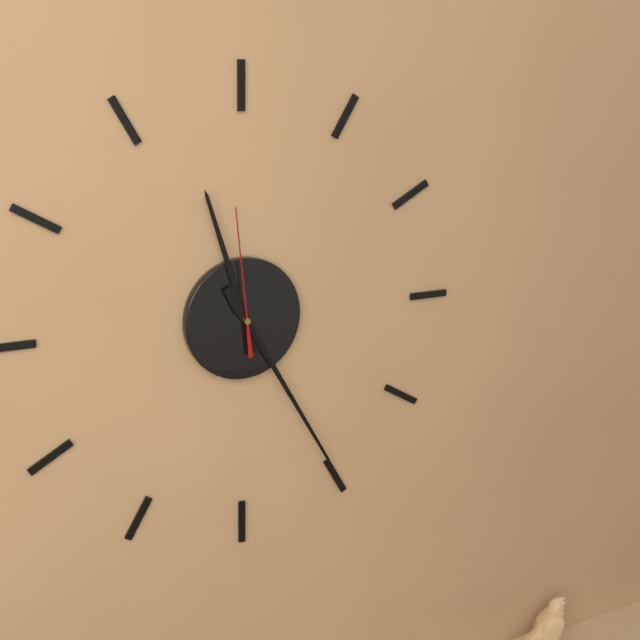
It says 11 h 25 min 59 s
